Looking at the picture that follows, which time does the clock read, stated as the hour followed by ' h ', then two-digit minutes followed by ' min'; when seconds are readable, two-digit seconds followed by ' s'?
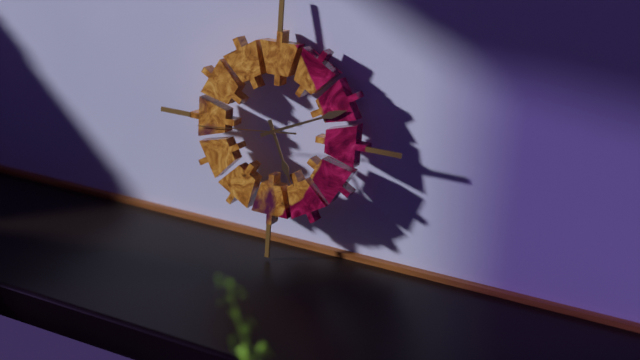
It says 5 h 11 min 44 s
